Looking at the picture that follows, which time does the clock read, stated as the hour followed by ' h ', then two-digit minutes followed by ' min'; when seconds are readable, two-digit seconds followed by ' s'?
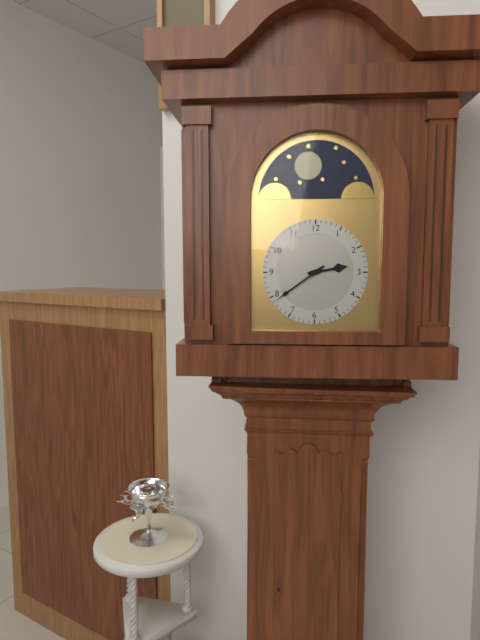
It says 2 h 39 min
